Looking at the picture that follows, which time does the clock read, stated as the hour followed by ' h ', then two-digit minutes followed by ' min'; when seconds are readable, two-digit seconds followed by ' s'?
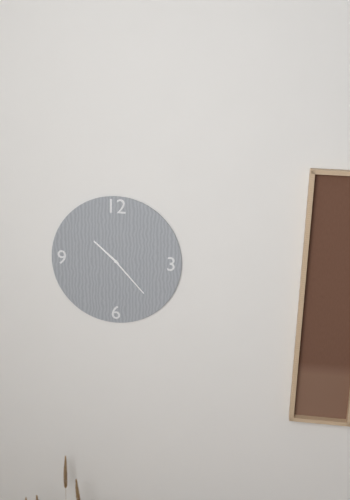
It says 10 h 23 min
